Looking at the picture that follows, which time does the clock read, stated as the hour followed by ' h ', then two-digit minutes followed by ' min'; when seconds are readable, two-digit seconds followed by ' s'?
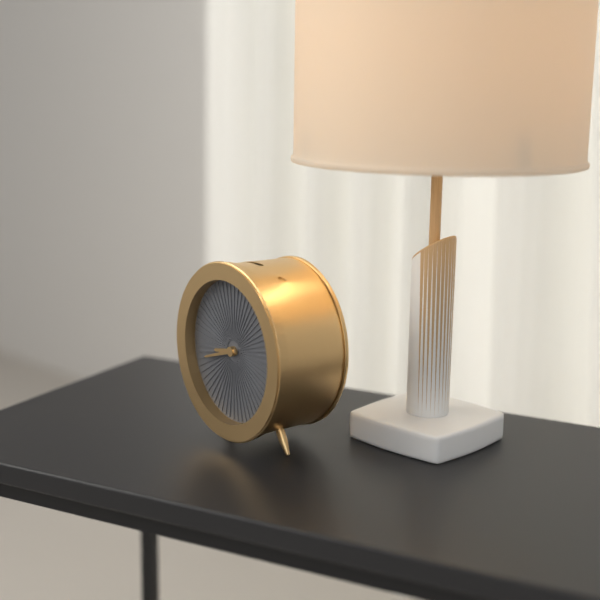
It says 8 h 42 min
